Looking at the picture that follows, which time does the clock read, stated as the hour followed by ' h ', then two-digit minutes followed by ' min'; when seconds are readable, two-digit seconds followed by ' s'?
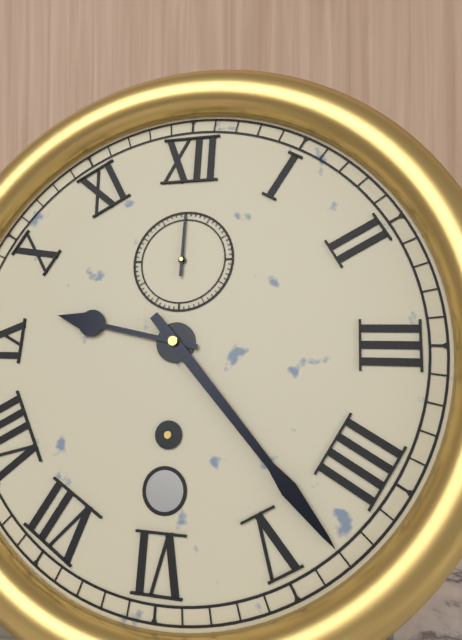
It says 9 h 23 min 00 s
